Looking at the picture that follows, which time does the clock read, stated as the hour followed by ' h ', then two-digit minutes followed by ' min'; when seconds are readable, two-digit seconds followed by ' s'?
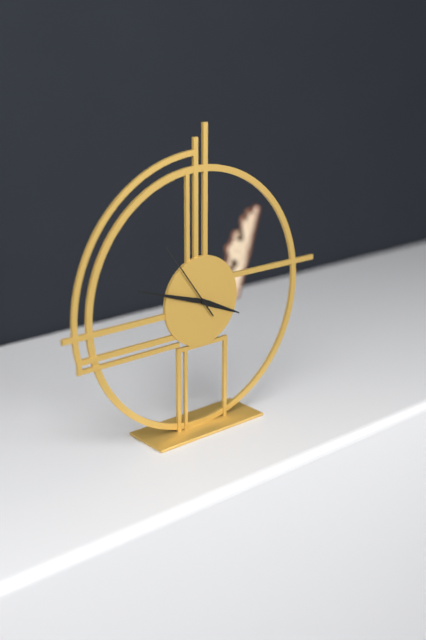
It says 3 h 48 min 54 s
